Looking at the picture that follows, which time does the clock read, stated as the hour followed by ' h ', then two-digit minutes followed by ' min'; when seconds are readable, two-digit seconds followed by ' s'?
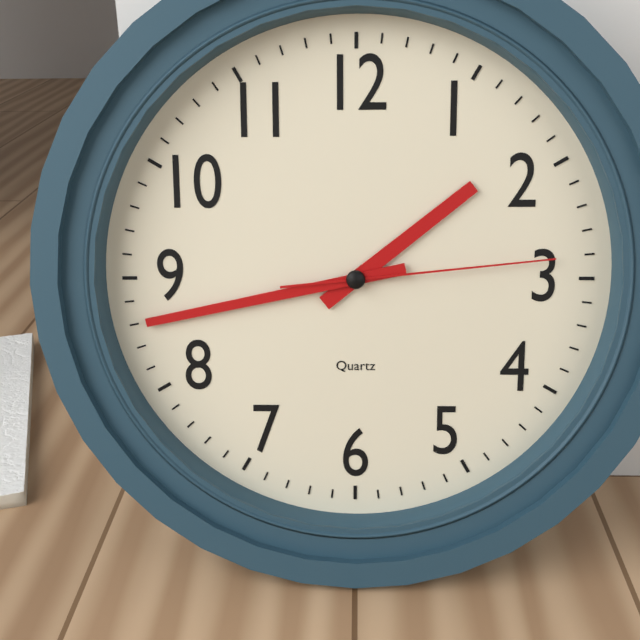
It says 1 h 43 min 14 s
